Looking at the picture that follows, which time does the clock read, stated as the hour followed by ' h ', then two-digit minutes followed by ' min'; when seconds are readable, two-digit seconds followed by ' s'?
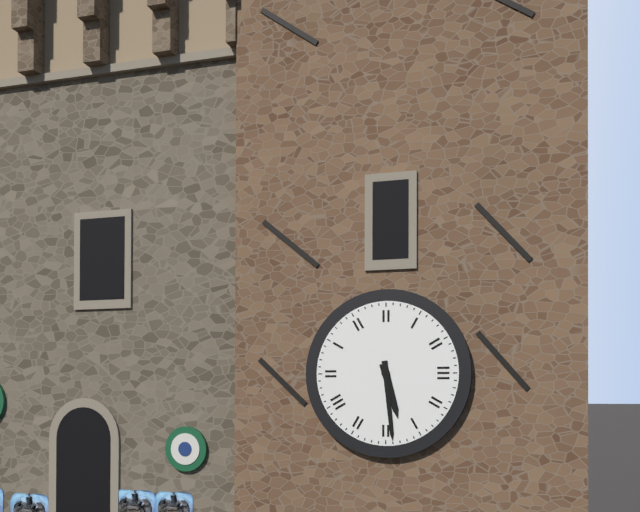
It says 5 h 29 min
